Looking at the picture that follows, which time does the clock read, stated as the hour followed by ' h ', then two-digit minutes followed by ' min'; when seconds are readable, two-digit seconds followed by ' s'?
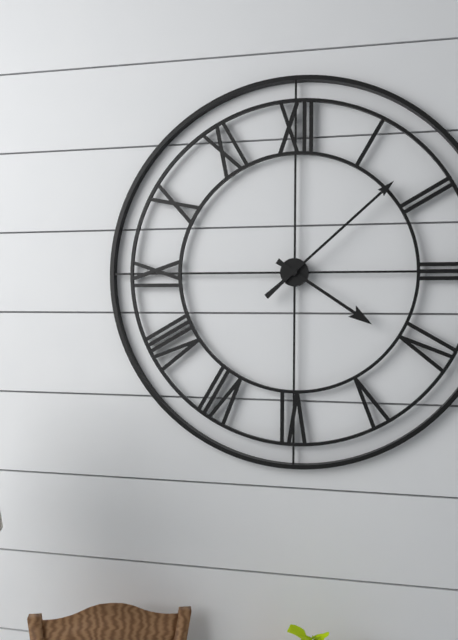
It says 4 h 08 min
